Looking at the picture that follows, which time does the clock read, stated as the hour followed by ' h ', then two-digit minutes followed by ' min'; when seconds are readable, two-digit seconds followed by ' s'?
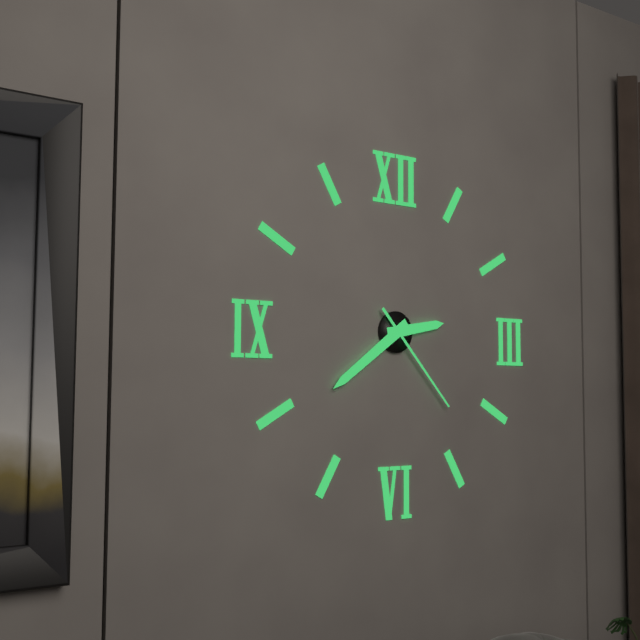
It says 2 h 39 min 23 s
